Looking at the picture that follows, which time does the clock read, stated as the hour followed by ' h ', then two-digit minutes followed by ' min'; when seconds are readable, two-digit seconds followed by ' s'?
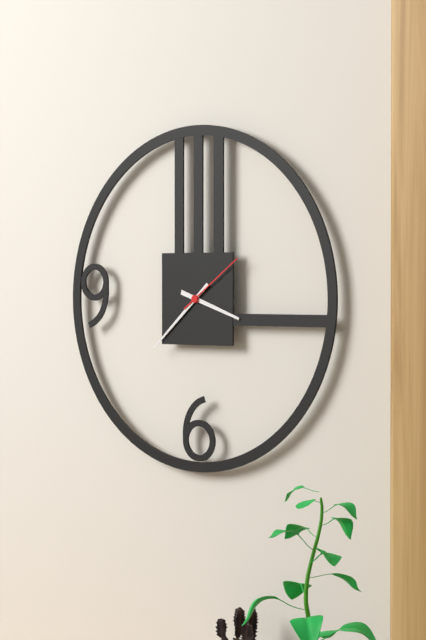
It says 3 h 38 min 09 s
